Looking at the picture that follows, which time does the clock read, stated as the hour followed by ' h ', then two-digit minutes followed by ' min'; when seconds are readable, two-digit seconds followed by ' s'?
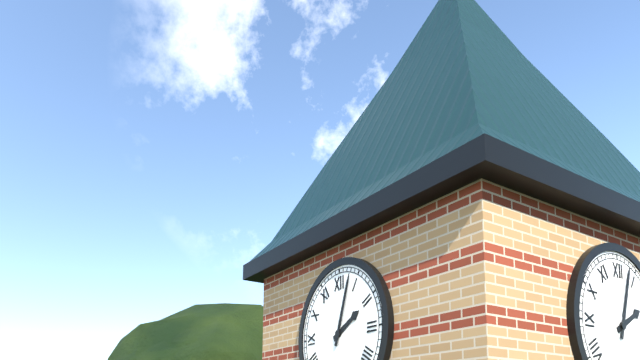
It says 2 h 03 min
